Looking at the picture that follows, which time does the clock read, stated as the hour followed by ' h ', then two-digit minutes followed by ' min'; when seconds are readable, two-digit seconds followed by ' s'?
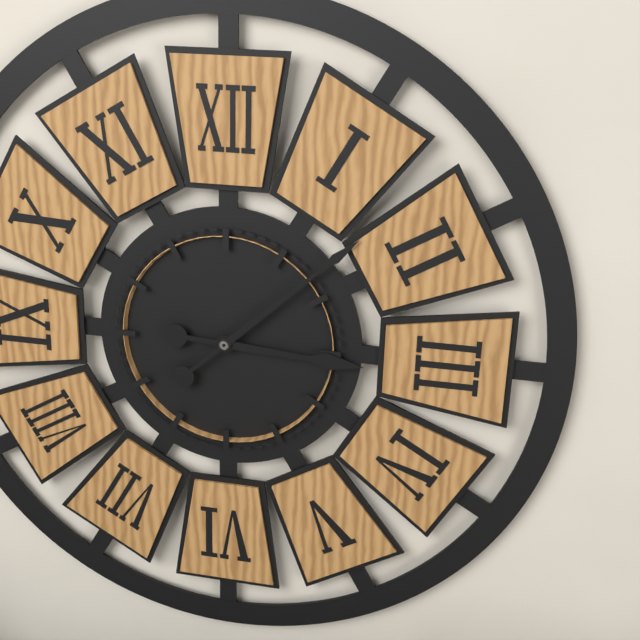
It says 3 h 08 min
